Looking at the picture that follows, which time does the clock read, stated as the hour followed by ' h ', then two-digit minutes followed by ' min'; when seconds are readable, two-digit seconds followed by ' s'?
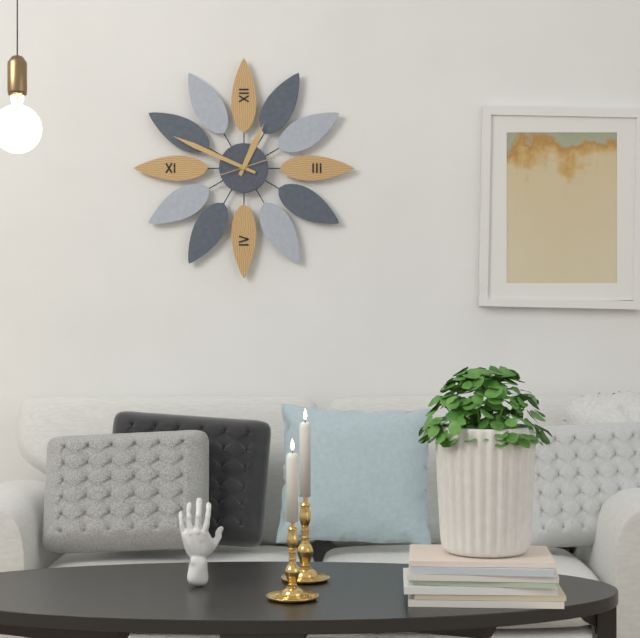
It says 12 h 49 min 42 s
